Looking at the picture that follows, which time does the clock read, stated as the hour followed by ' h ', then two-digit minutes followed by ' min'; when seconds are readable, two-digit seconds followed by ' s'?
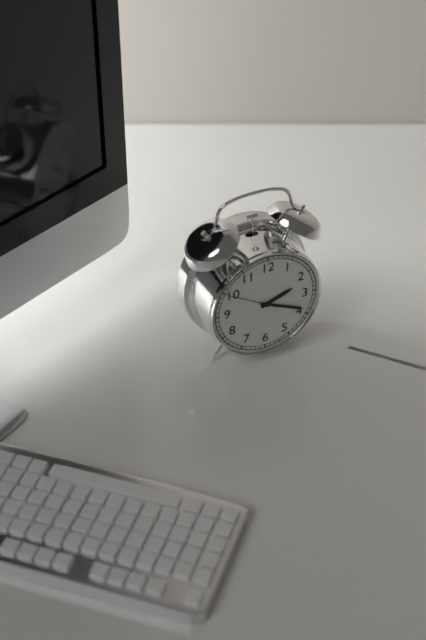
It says 2 h 19 min 50 s
